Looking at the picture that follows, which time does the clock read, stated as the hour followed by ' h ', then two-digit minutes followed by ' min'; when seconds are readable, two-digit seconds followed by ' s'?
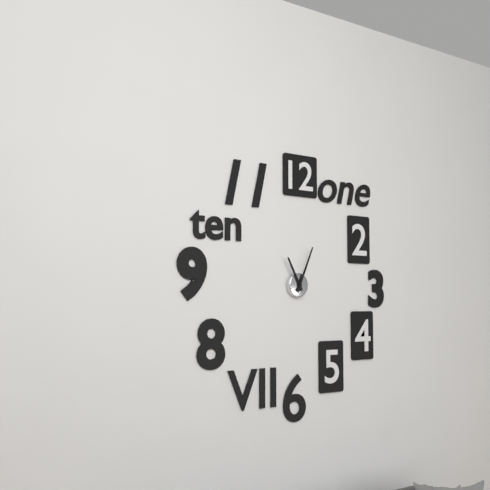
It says 11 h 04 min
